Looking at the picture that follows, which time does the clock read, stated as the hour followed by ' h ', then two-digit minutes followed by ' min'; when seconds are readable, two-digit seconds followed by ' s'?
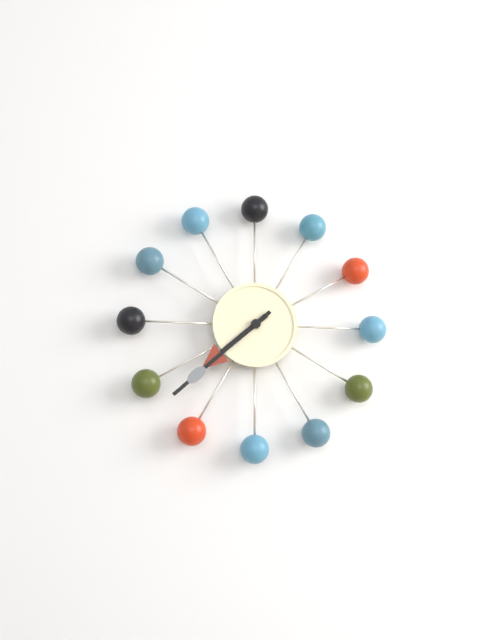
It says 7 h 38 min
